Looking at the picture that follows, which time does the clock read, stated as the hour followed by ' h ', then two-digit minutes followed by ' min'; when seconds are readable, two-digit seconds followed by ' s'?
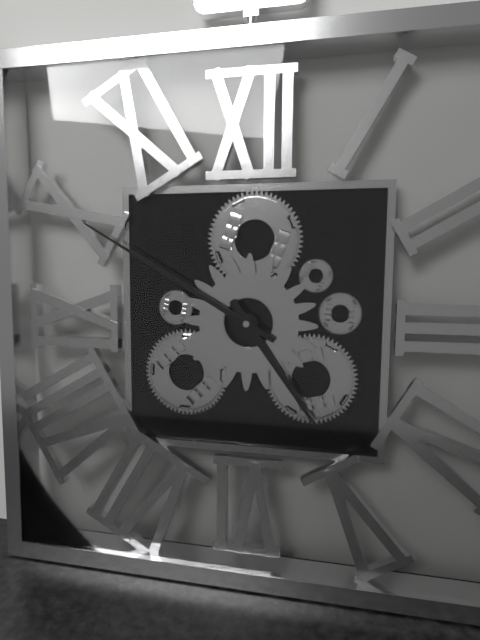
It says 4 h 50 min
